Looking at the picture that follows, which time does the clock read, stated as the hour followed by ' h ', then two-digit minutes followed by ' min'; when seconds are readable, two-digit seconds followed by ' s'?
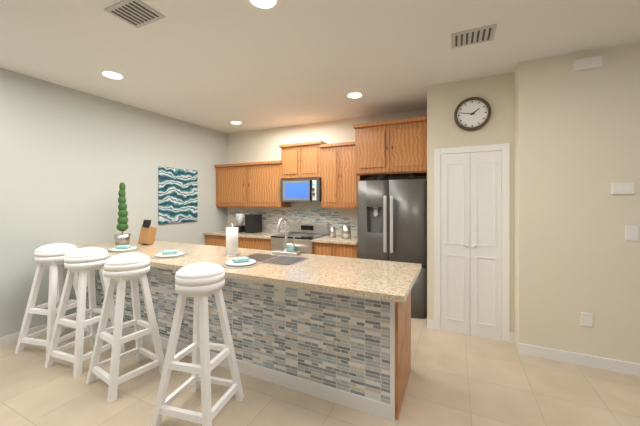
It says 1 h 47 min
